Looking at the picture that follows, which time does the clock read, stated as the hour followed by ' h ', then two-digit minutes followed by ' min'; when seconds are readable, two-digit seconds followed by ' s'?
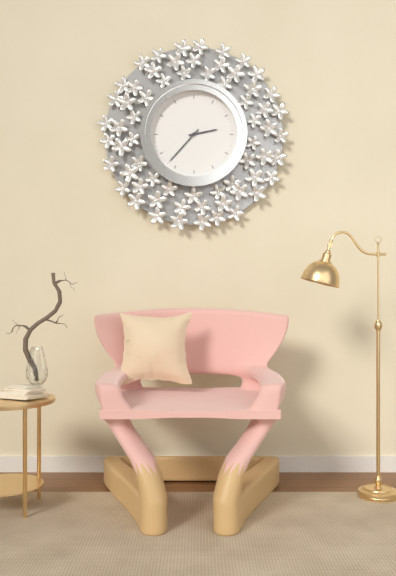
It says 2 h 37 min
